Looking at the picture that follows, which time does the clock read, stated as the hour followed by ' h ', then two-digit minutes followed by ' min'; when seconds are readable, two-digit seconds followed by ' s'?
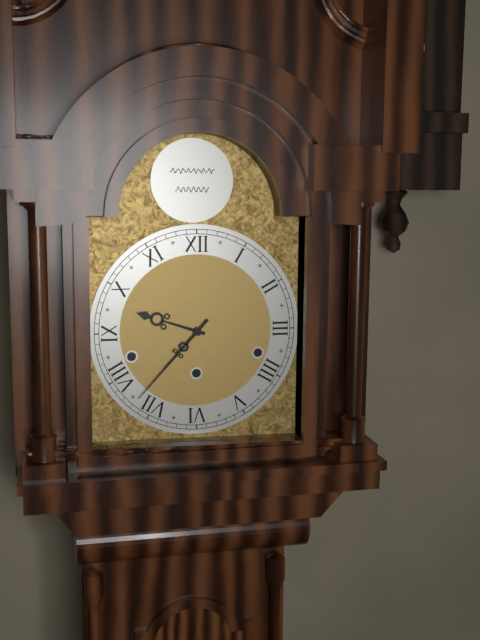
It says 9 h 37 min
